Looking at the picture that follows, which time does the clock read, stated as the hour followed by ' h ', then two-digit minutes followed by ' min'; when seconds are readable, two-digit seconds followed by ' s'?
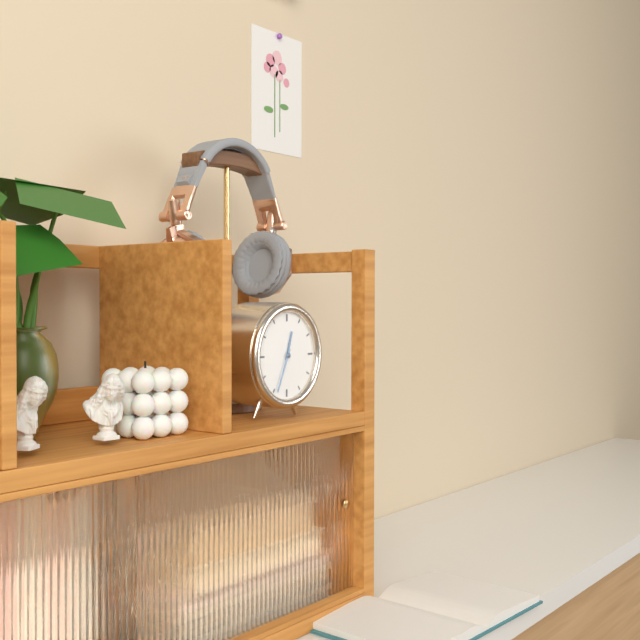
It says 12 h 34 min
